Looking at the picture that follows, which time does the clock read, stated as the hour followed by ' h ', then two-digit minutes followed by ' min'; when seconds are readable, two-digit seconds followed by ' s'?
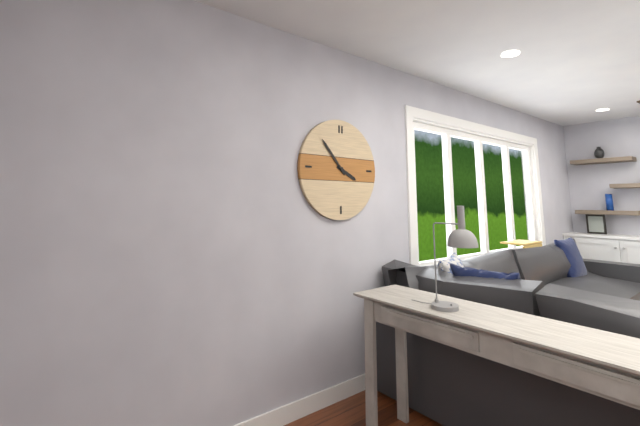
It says 3 h 53 min
